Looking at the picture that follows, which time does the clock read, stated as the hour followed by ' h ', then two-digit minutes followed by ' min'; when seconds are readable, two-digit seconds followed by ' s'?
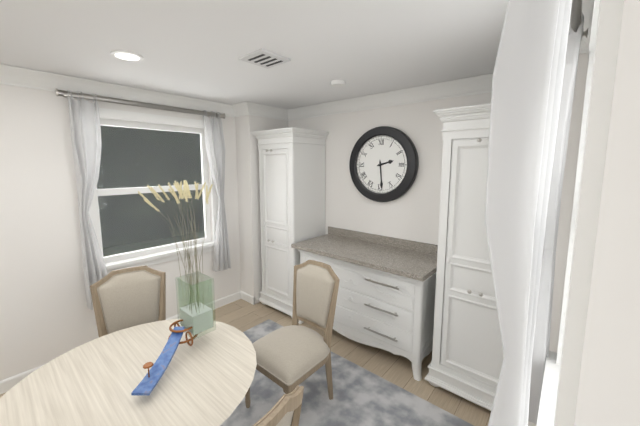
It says 2 h 29 min
